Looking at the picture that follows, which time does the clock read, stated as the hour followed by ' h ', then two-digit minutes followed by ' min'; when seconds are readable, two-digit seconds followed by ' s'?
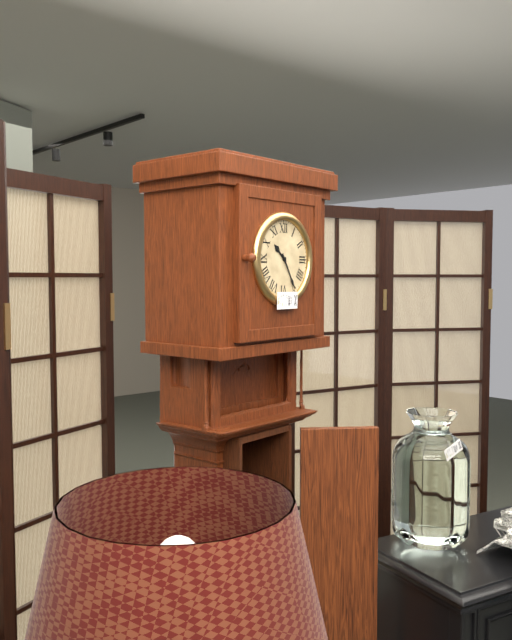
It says 10 h 25 min
